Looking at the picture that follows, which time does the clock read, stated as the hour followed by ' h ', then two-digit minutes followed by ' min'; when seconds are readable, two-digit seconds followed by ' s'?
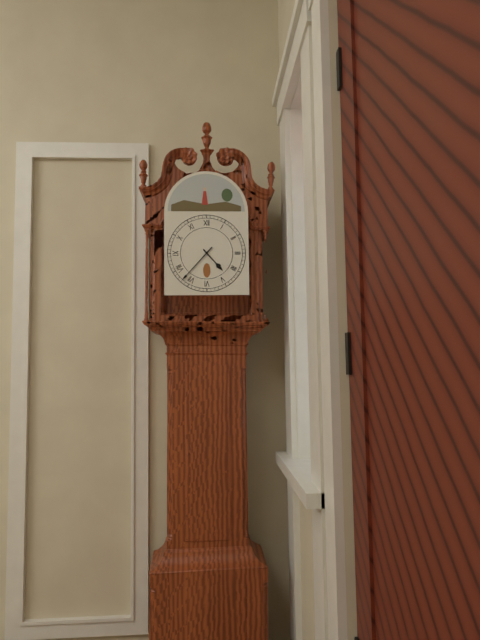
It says 4 h 37 min
